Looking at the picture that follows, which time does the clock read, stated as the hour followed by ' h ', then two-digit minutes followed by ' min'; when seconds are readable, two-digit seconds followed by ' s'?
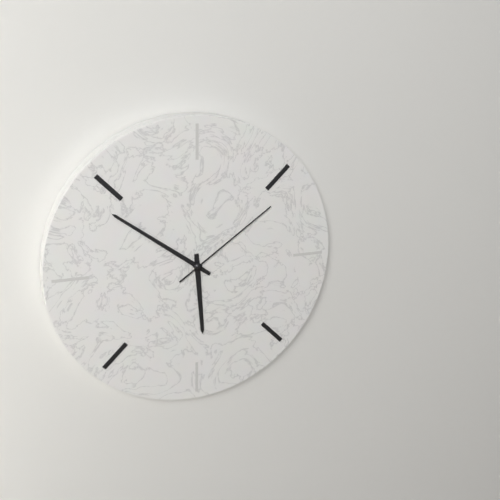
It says 5 h 51 min 09 s
